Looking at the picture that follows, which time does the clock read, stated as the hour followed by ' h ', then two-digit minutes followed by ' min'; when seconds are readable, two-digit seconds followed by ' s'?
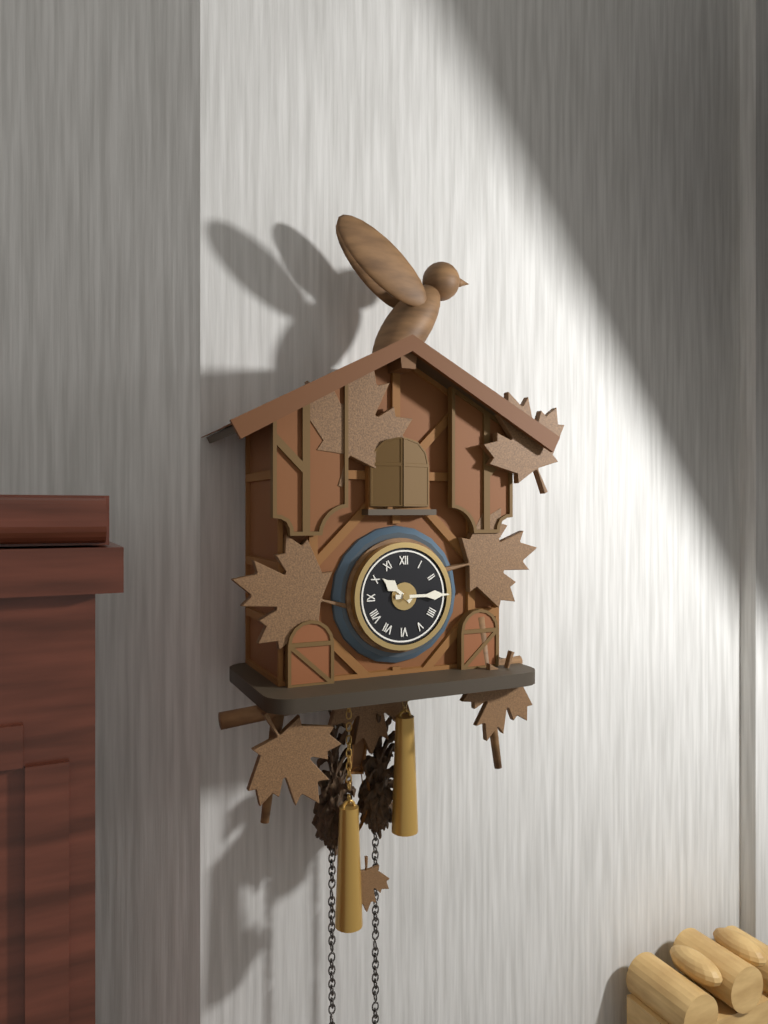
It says 10 h 15 min
